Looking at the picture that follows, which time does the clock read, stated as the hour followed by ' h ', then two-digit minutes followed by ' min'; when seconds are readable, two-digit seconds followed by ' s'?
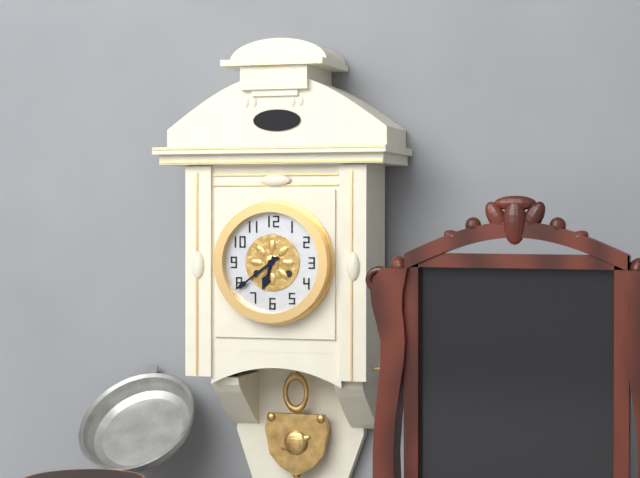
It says 6 h 39 min
